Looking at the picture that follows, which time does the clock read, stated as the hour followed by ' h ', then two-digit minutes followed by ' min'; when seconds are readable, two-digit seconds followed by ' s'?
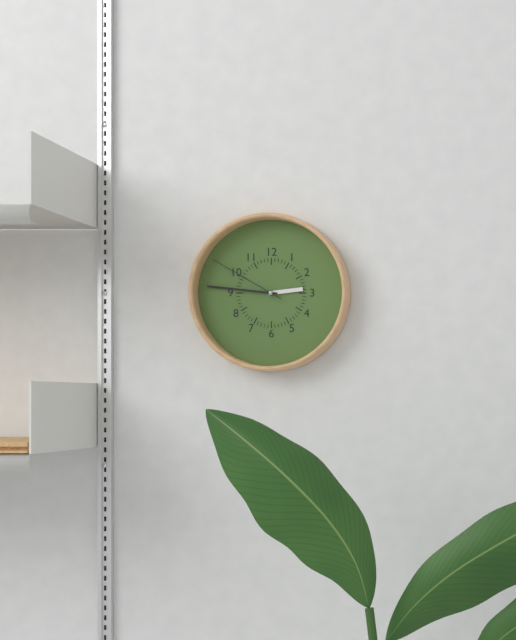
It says 2 h 46 min 50 s
